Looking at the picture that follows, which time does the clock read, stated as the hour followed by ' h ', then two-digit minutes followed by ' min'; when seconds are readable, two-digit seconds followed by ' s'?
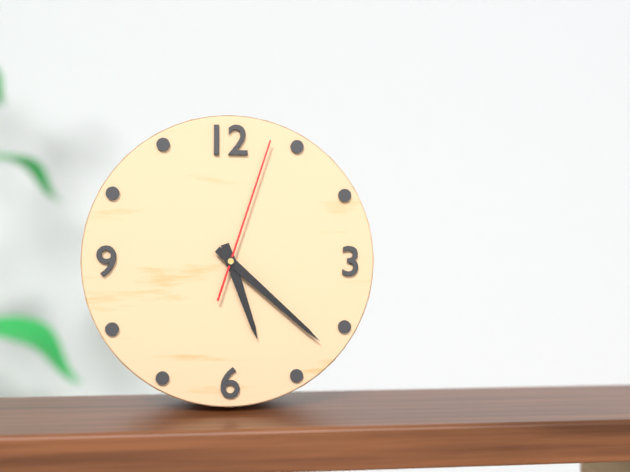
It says 5 h 22 min 03 s
